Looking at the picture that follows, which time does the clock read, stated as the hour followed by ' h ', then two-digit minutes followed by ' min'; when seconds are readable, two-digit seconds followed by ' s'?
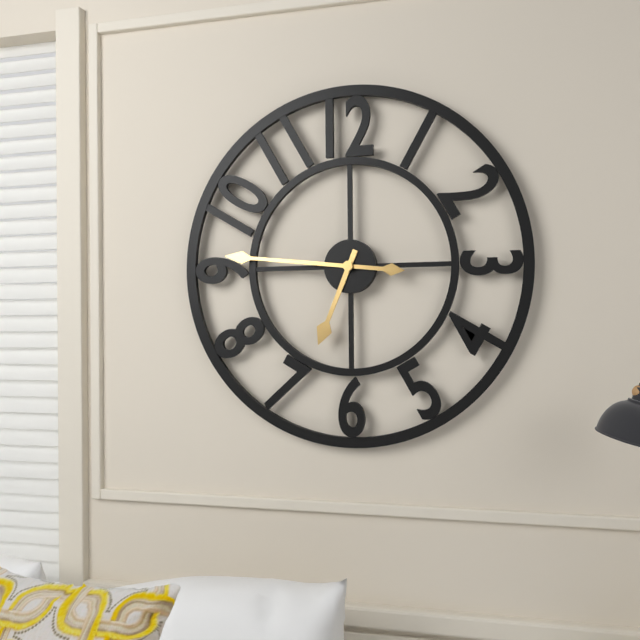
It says 6 h 46 min
